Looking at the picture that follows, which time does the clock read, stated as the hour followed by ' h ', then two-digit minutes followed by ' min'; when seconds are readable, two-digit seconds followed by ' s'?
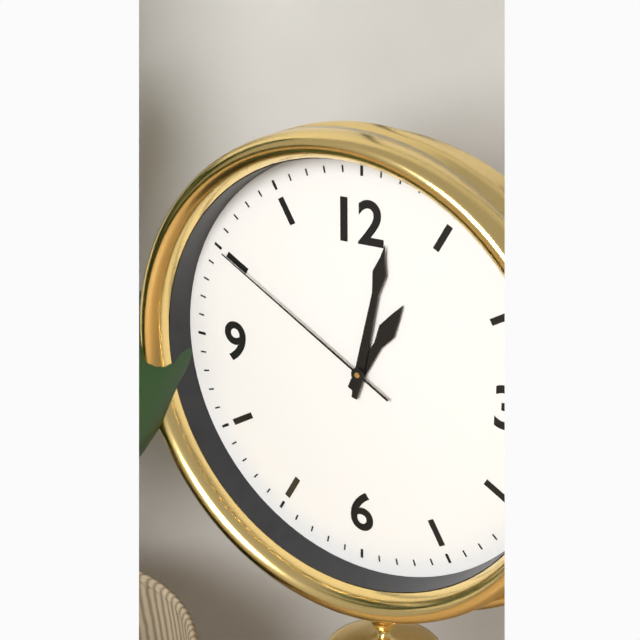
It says 1 h 02 min 50 s
